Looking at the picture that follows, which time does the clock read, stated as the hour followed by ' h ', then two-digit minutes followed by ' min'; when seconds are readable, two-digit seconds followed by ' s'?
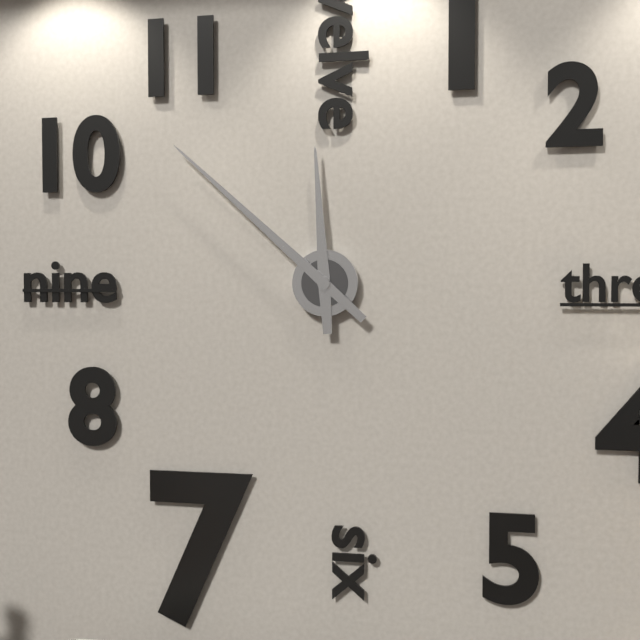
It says 11 h 52 min
